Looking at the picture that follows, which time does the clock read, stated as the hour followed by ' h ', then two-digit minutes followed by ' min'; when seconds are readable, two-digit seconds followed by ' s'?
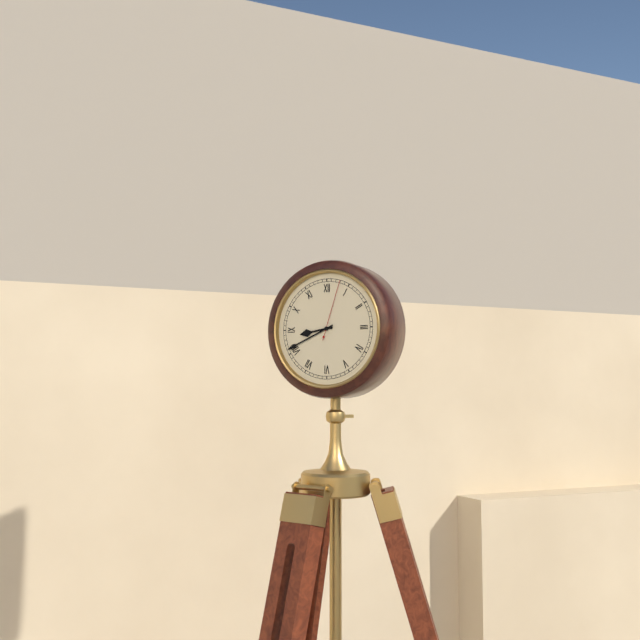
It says 8 h 41 min 03 s
